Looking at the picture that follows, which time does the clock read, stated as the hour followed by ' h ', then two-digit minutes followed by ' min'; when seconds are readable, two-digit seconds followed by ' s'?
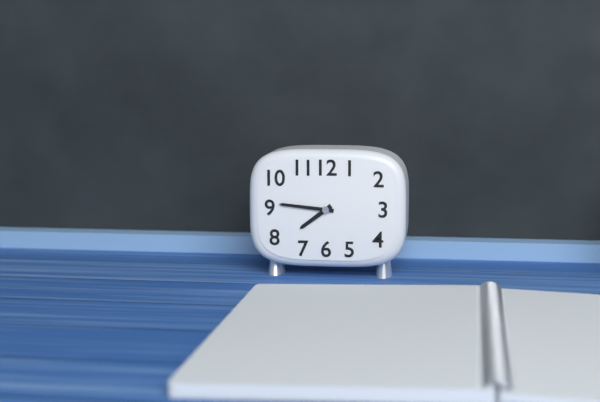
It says 7 h 46 min
